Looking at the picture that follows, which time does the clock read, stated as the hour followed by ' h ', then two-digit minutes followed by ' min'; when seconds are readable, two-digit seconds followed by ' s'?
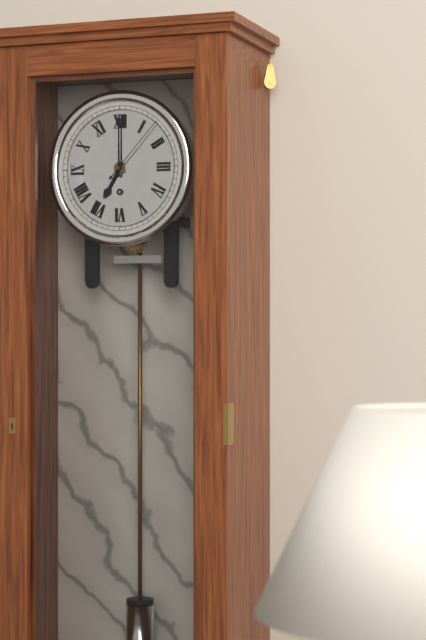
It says 7 h 00 min 07 s
